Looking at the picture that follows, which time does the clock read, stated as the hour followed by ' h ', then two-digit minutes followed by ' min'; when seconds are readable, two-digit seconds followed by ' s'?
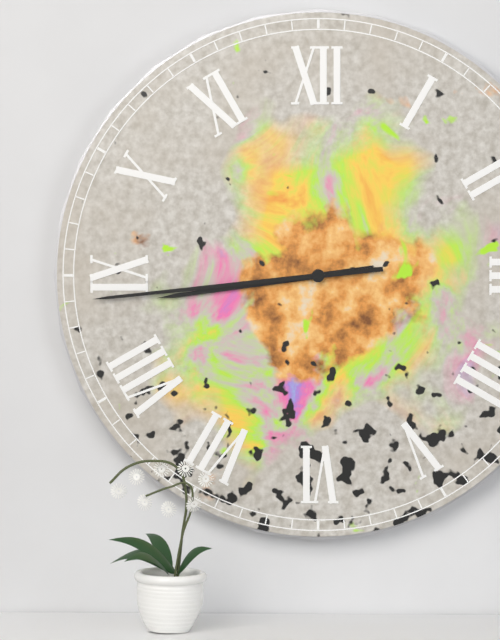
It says 8 h 44 min
